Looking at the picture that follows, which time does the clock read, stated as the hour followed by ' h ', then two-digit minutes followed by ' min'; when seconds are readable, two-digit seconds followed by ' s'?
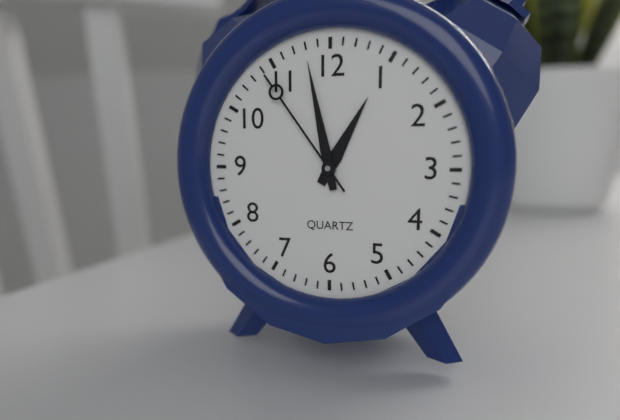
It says 12 h 58 min 54 s
